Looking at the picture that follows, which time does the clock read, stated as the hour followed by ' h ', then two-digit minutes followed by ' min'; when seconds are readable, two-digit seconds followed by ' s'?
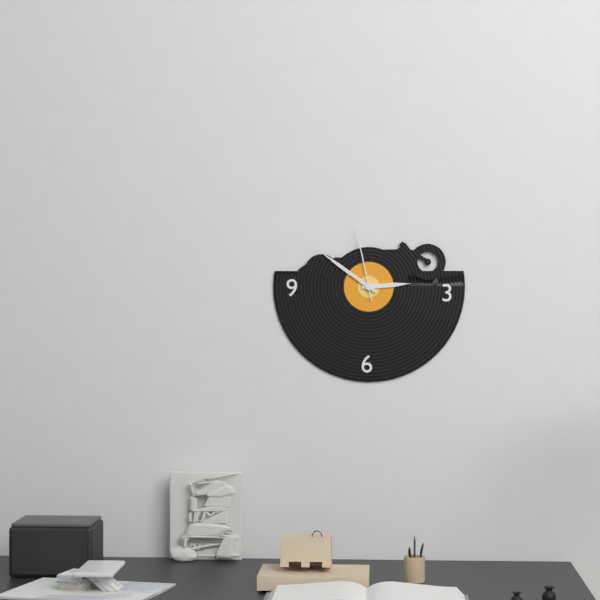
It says 2 h 51 min 58 s
